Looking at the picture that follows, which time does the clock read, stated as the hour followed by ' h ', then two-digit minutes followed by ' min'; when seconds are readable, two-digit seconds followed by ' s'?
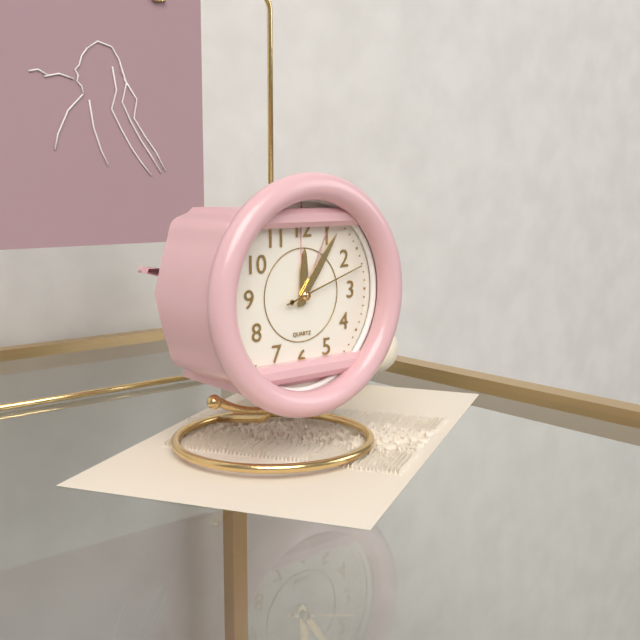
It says 12 h 06 min 12 s
